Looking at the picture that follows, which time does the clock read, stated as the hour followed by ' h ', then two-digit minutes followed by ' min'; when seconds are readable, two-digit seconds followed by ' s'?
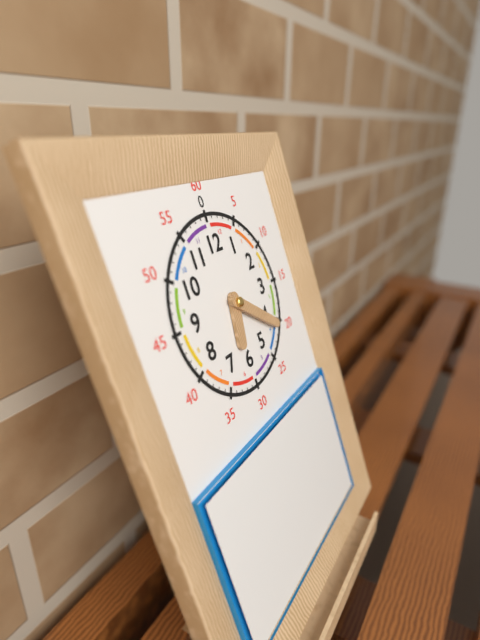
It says 6 h 21 min
